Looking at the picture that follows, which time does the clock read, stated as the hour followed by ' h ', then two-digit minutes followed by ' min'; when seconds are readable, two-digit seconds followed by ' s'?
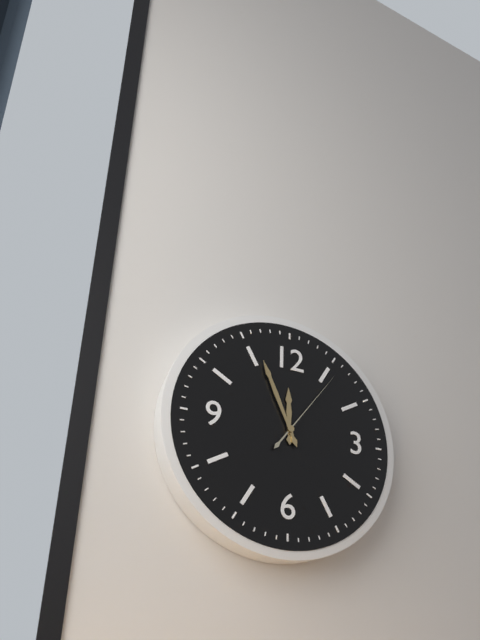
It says 11 h 56 min 06 s
